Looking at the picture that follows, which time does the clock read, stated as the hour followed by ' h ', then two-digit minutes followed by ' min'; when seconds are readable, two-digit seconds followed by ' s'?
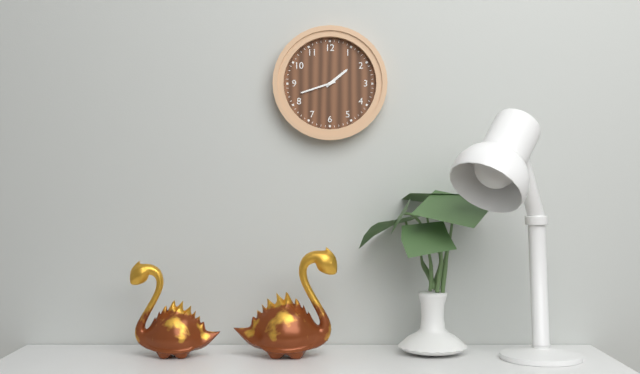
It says 1 h 42 min
